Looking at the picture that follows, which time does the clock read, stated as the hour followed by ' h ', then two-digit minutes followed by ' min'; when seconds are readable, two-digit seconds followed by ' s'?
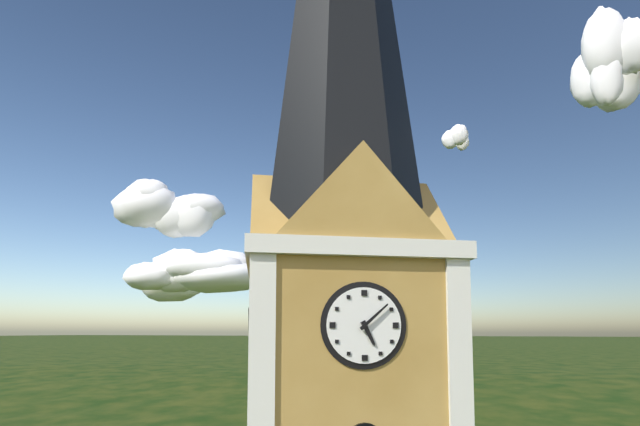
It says 5 h 08 min
